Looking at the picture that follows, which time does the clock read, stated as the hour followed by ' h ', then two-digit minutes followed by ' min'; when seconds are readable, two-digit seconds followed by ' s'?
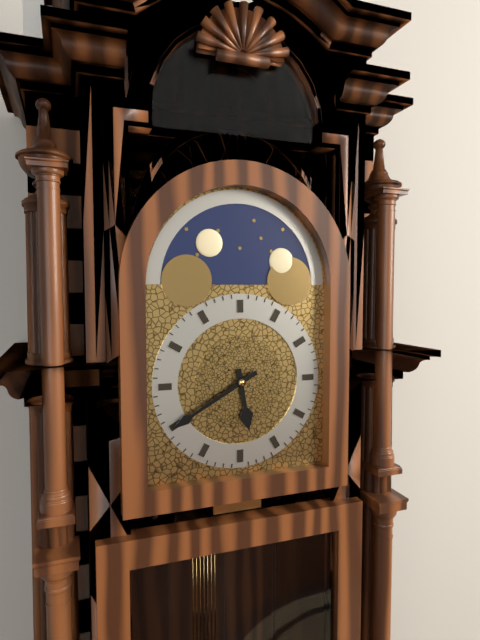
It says 5 h 40 min
